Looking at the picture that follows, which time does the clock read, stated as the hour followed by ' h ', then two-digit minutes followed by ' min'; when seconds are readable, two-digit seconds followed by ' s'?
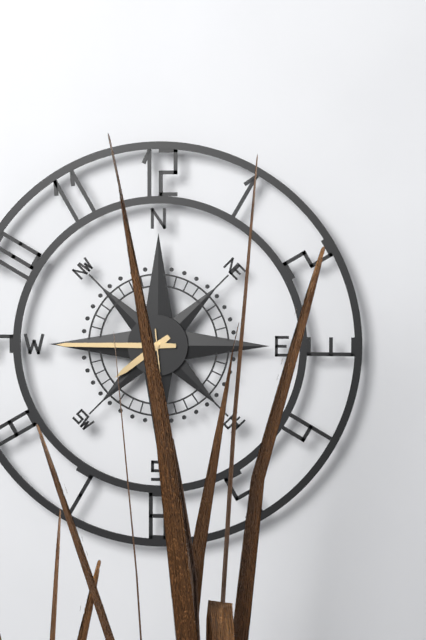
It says 7 h 45 min 29 s
